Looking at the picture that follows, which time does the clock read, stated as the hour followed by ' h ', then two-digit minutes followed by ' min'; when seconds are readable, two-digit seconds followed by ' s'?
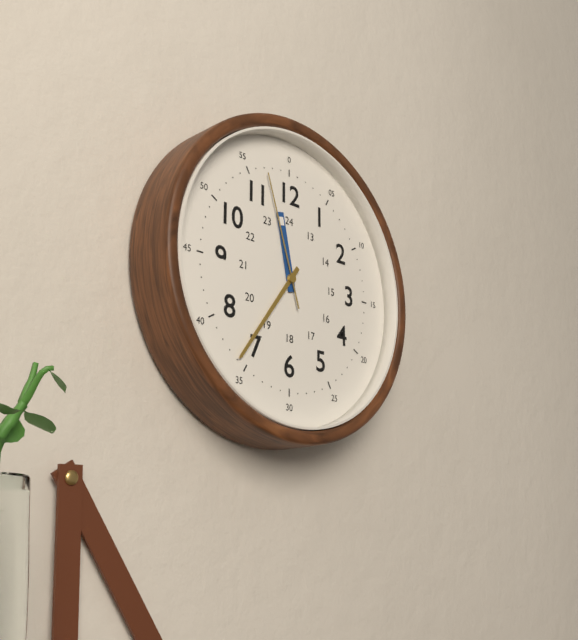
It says 11 h 36 min 57 s
